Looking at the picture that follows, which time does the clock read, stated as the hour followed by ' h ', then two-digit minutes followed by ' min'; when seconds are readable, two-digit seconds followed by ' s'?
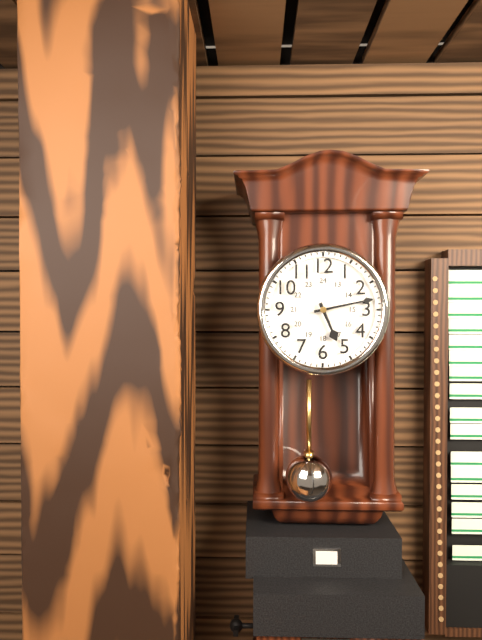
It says 5 h 13 min
